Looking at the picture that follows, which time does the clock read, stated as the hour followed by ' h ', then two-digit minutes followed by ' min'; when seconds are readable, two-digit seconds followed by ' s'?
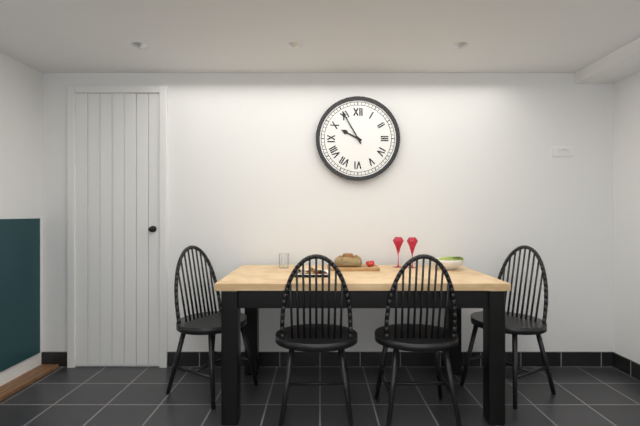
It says 9 h 55 min
